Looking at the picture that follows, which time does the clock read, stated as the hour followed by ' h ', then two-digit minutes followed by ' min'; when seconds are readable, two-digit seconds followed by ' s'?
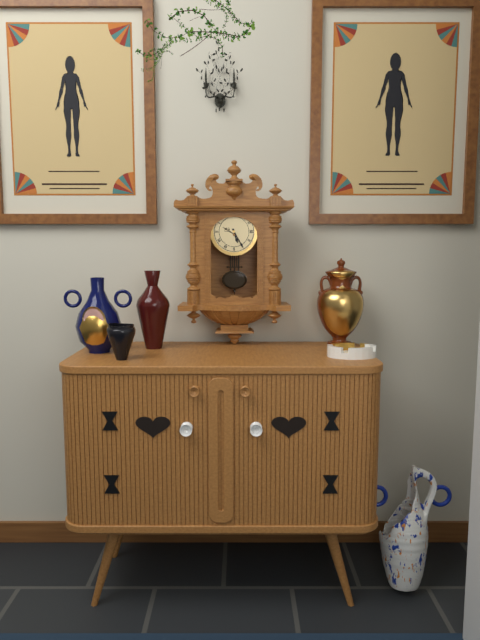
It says 5 h 25 min
